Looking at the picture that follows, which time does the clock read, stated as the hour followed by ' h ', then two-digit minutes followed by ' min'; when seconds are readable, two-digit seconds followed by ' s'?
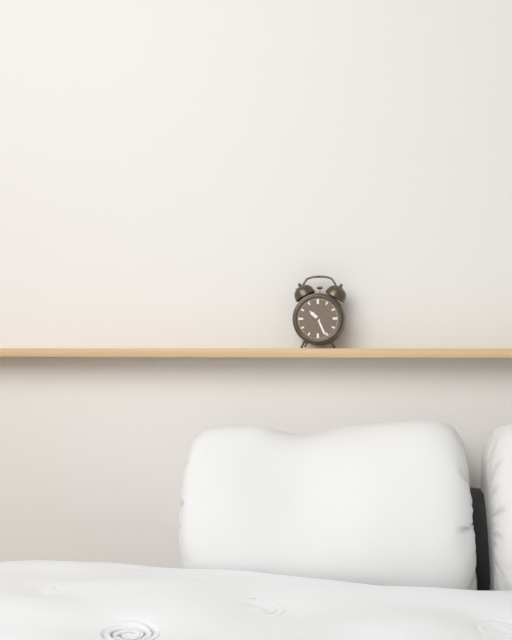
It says 10 h 26 min
